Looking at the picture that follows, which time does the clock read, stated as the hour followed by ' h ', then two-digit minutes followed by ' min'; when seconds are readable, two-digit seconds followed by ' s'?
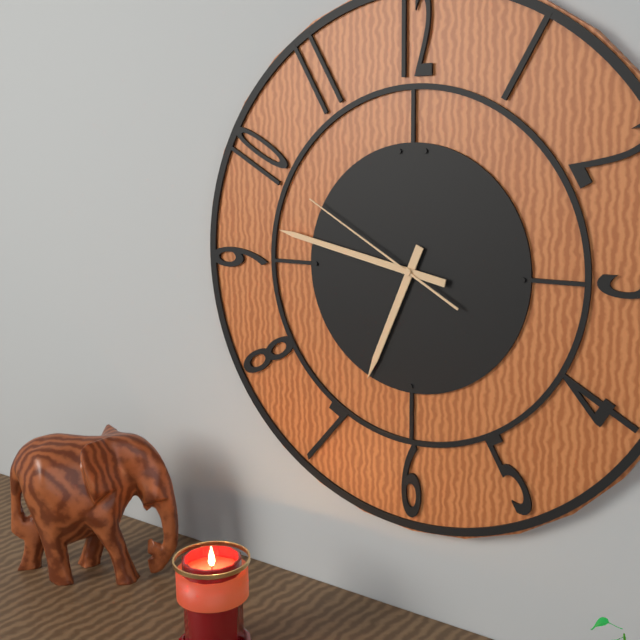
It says 6 h 47 min 50 s
